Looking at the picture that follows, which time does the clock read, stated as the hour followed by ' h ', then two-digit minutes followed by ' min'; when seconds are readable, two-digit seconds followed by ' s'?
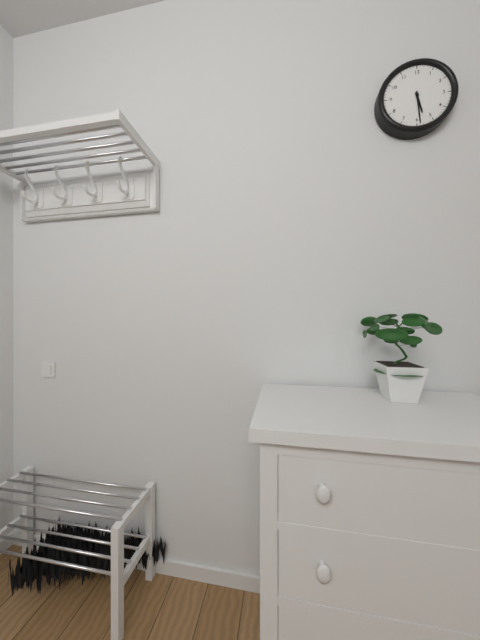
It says 5 h 29 min
